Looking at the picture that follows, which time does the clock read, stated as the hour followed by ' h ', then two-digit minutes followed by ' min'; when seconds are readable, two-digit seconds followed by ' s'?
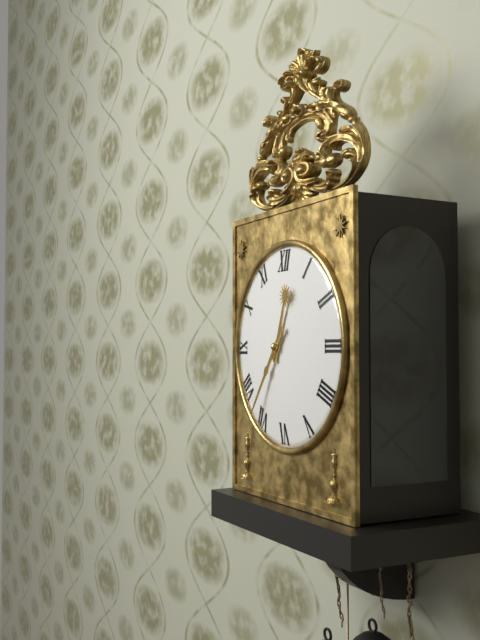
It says 12 h 36 min
